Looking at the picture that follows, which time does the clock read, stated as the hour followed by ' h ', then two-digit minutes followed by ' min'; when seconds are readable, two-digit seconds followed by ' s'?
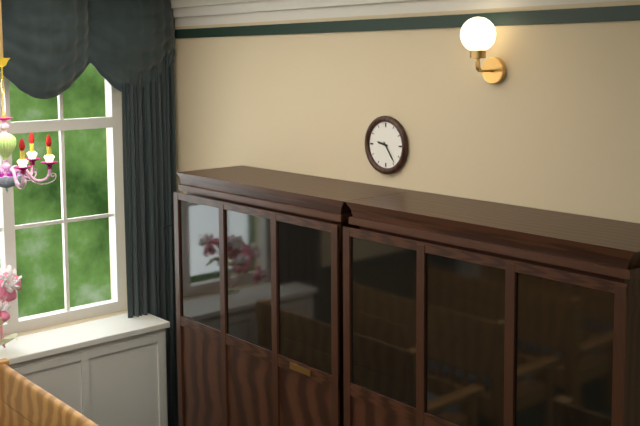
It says 9 h 24 min
